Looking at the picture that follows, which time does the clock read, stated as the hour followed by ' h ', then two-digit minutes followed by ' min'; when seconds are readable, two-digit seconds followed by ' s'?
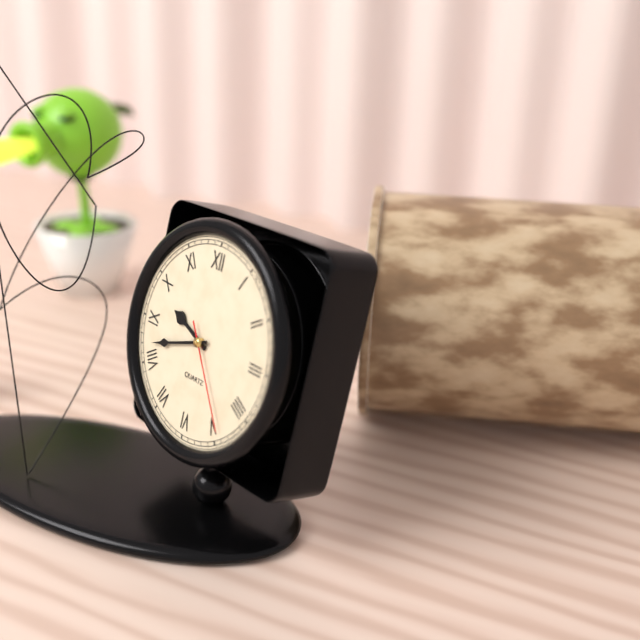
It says 9 h 42 min 24 s
